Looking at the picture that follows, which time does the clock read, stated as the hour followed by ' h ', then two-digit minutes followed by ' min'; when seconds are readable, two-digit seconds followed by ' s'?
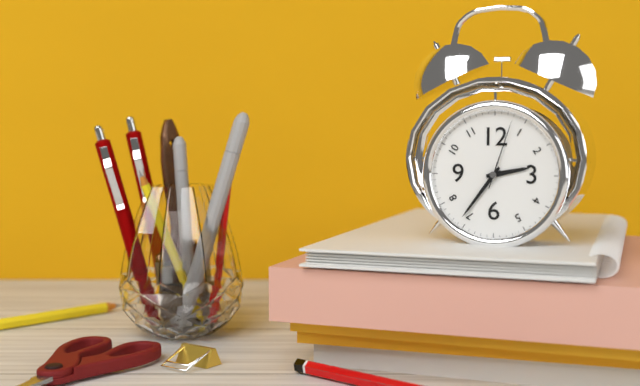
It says 2 h 36 min 03 s
